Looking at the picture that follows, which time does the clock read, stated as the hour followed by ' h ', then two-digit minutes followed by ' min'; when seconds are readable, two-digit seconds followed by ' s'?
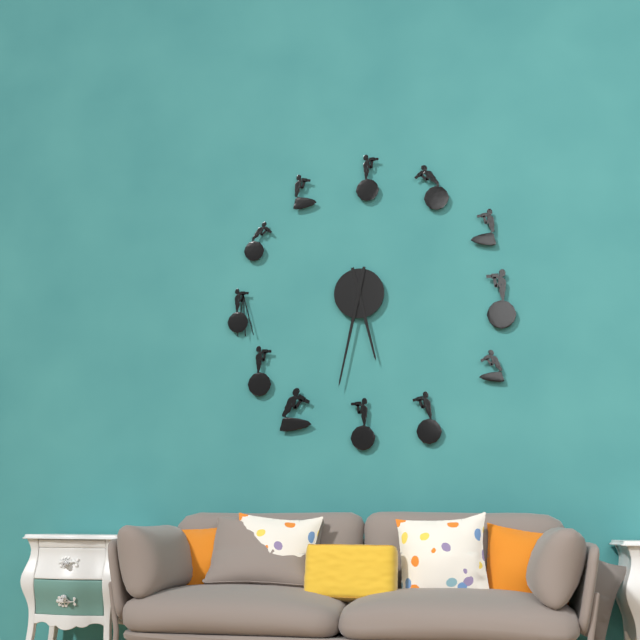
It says 5 h 32 min
